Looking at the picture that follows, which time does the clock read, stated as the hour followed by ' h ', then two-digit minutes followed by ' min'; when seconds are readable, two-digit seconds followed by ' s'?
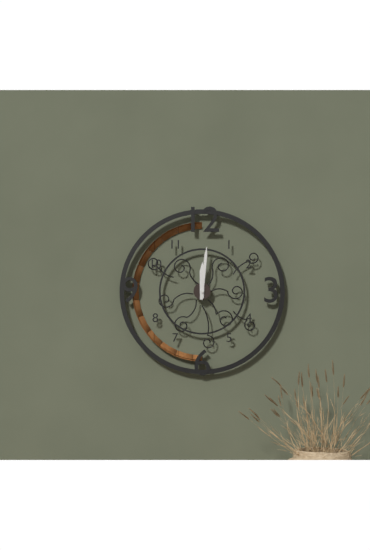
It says 12 h 01 min
